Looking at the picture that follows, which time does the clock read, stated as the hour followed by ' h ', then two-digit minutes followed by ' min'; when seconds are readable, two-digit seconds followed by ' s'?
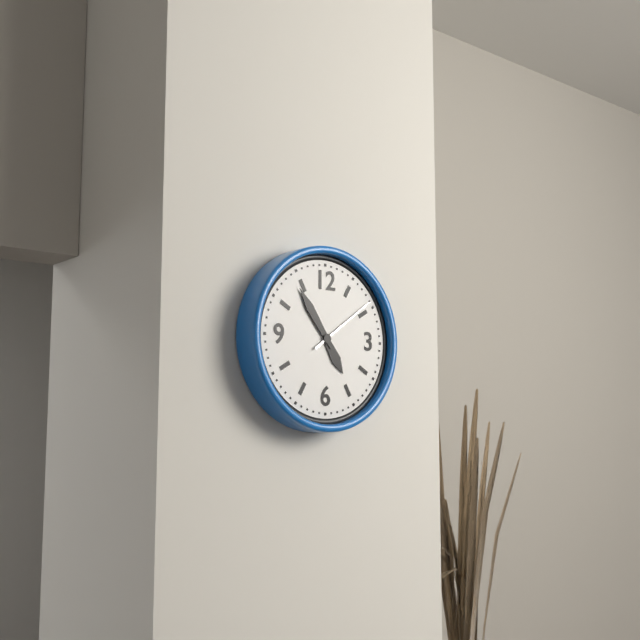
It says 4 h 54 min 09 s
